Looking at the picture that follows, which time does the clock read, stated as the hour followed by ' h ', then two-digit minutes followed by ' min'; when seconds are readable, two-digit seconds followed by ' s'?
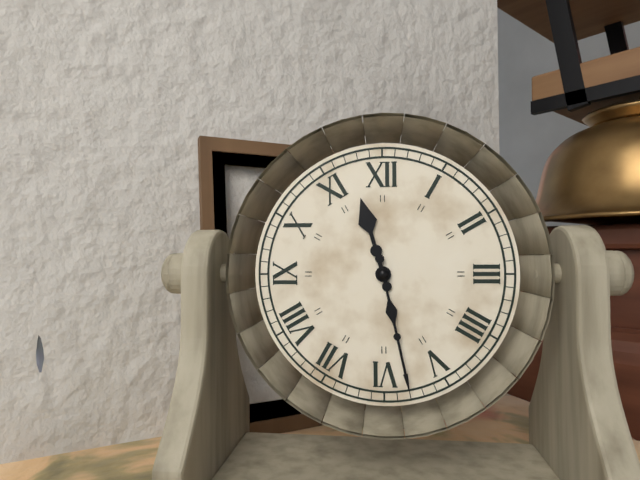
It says 11 h 28 min
